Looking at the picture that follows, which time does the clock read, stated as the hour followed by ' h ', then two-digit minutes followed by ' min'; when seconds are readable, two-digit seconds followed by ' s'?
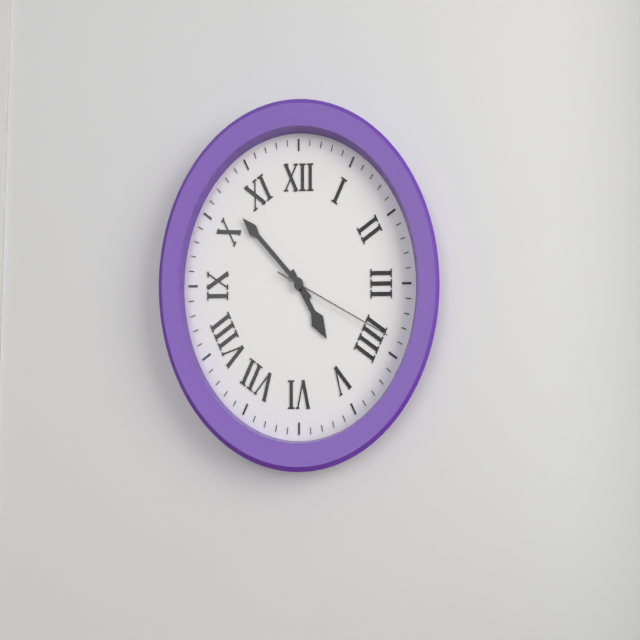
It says 4 h 52 min 19 s
